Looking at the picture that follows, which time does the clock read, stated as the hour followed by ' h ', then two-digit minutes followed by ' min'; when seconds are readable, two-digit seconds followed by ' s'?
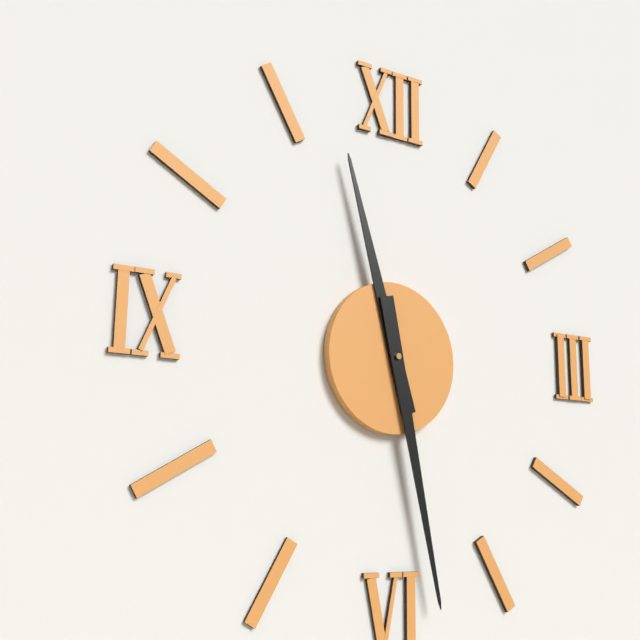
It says 11 h 28 min
